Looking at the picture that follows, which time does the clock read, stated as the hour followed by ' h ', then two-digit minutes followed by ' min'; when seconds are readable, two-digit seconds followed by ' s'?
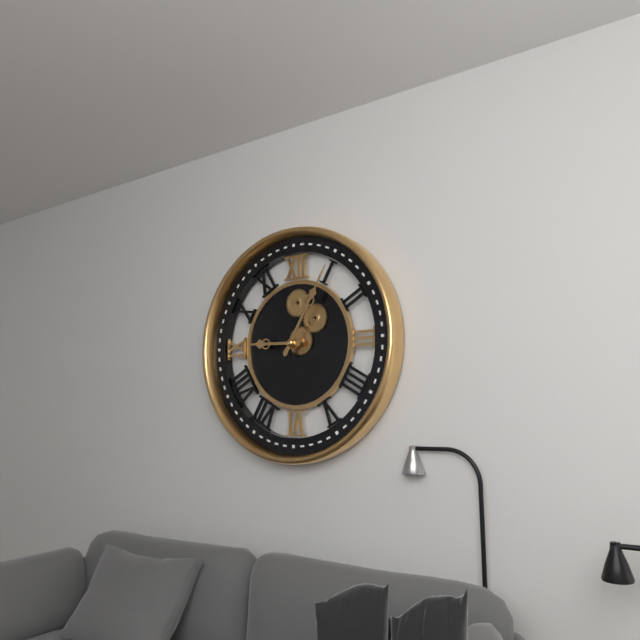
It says 9 h 05 min
